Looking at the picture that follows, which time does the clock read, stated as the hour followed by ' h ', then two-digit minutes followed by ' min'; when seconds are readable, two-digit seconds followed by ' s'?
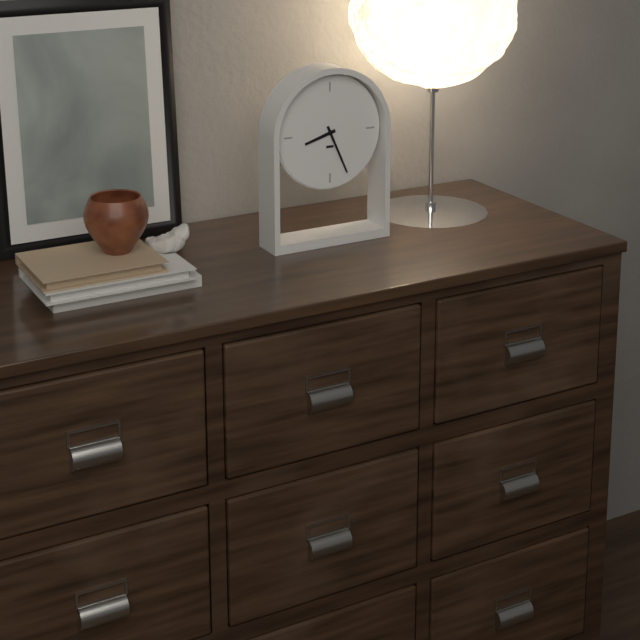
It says 8 h 26 min
